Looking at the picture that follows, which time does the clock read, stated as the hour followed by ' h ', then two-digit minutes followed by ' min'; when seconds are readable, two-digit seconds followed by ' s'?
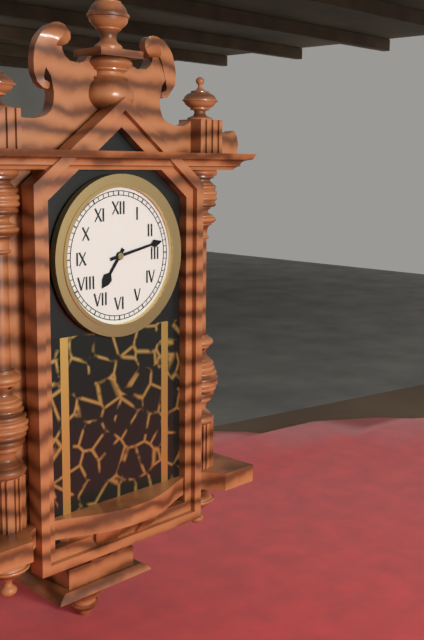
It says 7 h 13 min
